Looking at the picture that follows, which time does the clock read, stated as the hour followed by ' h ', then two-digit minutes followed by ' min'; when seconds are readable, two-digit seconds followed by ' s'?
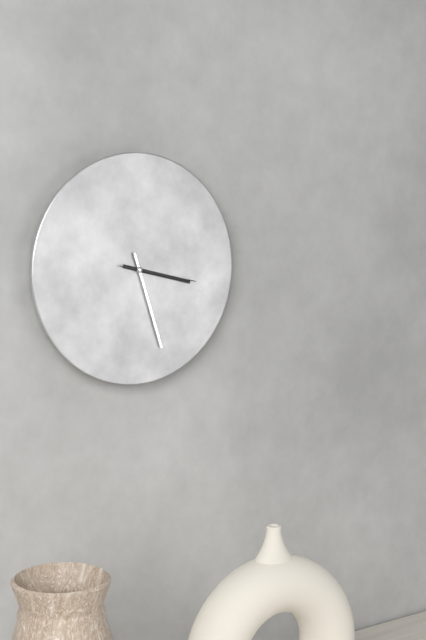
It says 3 h 27 min 17 s
